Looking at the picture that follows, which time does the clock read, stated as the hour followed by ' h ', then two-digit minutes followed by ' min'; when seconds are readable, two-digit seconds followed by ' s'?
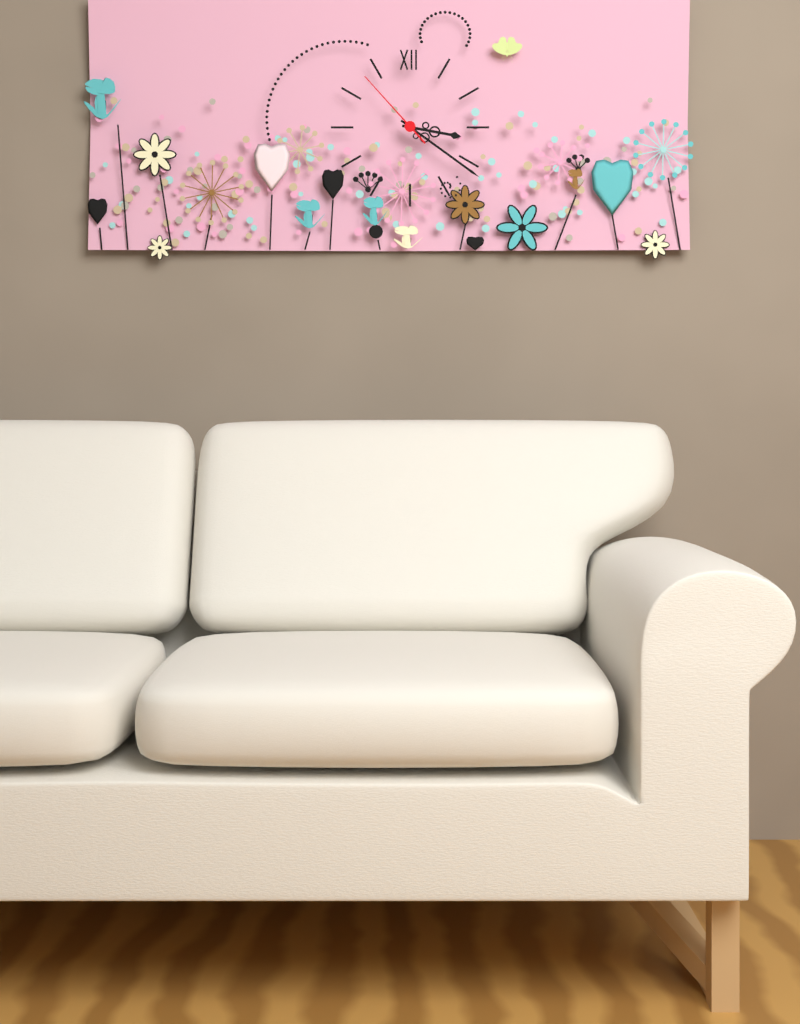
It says 3 h 21 min 53 s
